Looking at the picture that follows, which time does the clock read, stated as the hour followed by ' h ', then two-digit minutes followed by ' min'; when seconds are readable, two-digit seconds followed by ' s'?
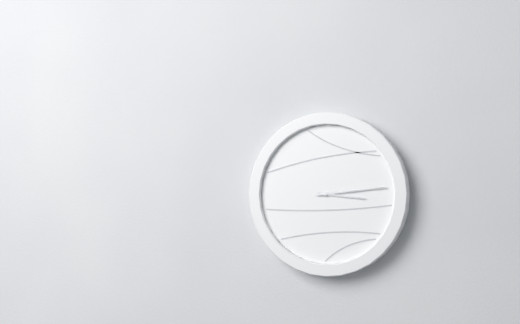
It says 3 h 14 min
